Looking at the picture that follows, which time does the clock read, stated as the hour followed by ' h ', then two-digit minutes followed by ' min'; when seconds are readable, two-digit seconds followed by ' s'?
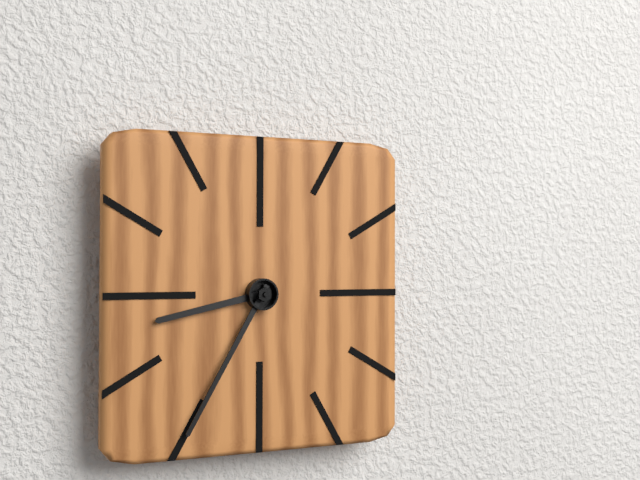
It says 8 h 35 min
